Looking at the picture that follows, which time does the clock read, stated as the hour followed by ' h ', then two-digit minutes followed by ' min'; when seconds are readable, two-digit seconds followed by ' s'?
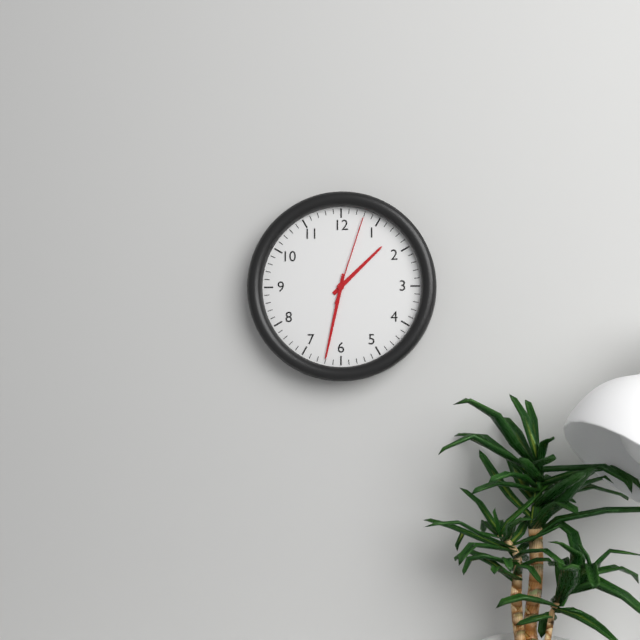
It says 1 h 32 min 03 s
